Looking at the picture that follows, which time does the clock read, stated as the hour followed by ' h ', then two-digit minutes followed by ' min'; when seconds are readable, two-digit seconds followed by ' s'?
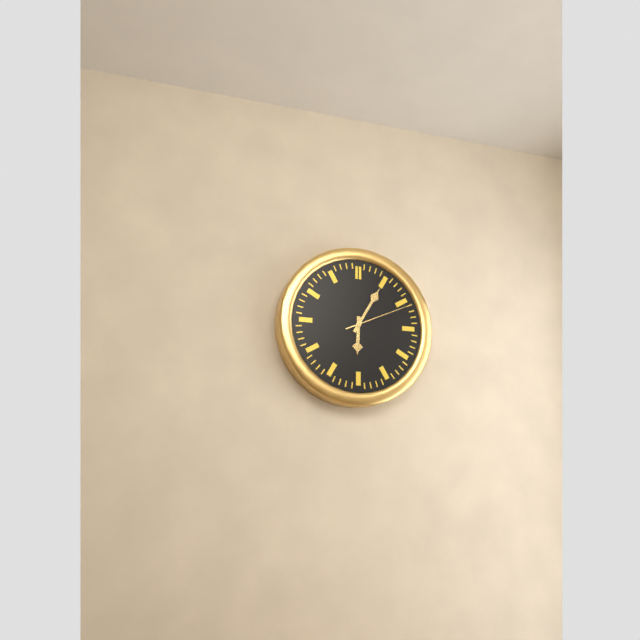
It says 6 h 05 min 11 s
